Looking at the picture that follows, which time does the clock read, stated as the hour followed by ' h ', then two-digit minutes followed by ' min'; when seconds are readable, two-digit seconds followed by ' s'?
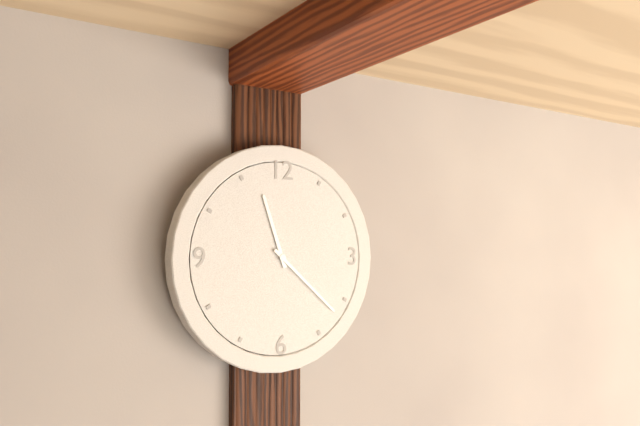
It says 11 h 22 min
